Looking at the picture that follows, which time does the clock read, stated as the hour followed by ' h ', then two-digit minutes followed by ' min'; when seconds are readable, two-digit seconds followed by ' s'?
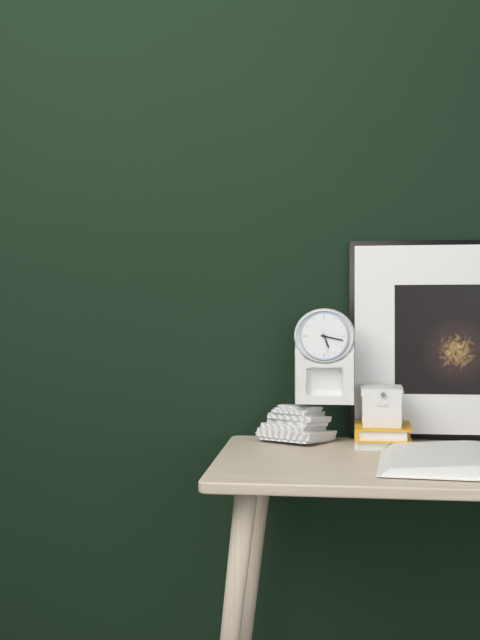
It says 5 h 17 min
